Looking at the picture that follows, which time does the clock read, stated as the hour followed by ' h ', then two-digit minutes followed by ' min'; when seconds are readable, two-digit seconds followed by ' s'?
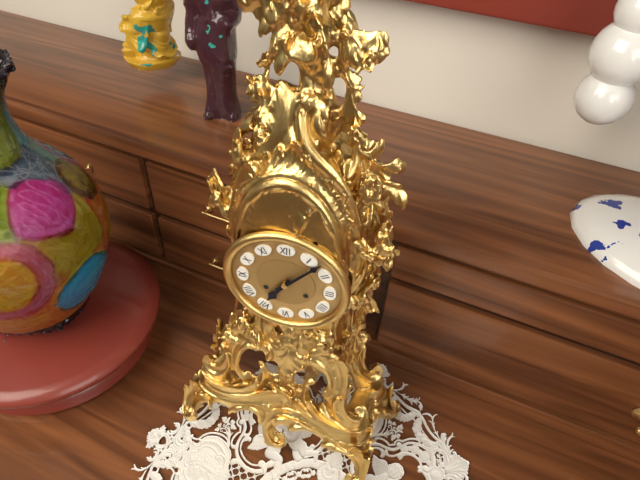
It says 7 h 07 min
